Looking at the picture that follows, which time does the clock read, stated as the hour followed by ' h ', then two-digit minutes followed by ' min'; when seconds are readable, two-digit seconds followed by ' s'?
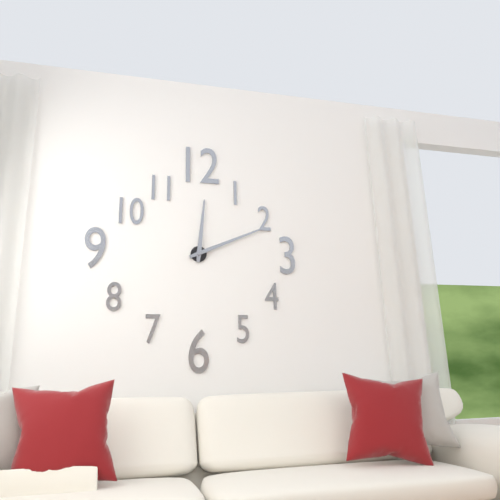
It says 12 h 11 min
